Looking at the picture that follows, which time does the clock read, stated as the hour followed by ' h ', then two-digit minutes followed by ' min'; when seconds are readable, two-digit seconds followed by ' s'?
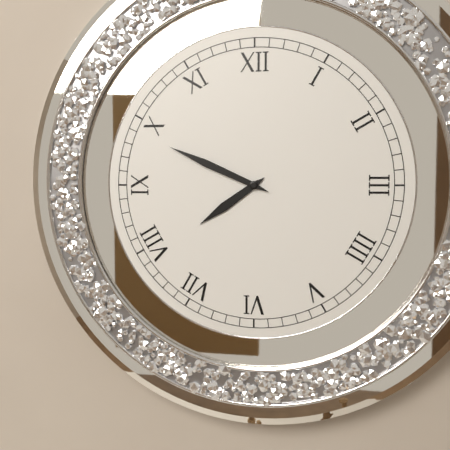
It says 7 h 49 min
